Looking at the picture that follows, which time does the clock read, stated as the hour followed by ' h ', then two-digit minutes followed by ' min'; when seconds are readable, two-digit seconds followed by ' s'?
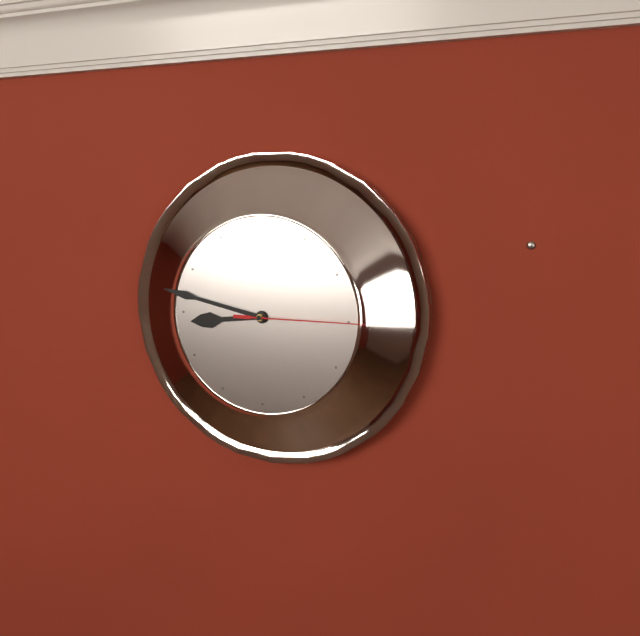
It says 8 h 47 min 15 s
